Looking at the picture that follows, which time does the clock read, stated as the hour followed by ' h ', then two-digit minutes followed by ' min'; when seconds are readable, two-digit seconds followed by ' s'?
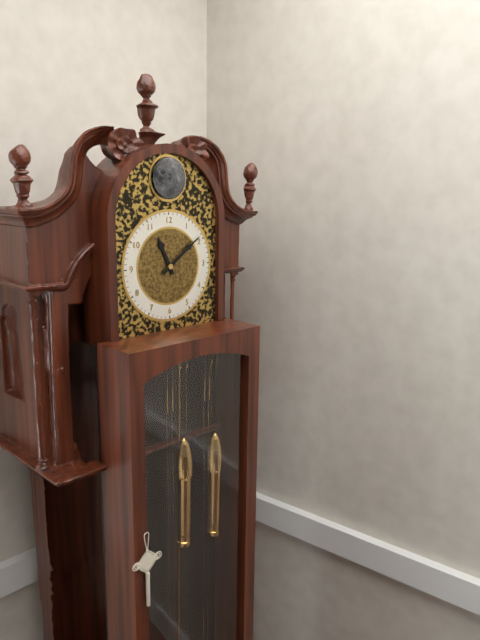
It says 11 h 09 min
